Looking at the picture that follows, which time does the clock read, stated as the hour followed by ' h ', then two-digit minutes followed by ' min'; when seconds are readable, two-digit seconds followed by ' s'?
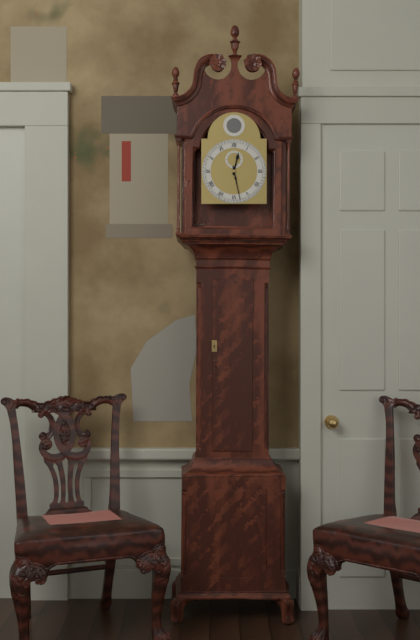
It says 12 h 28 min
